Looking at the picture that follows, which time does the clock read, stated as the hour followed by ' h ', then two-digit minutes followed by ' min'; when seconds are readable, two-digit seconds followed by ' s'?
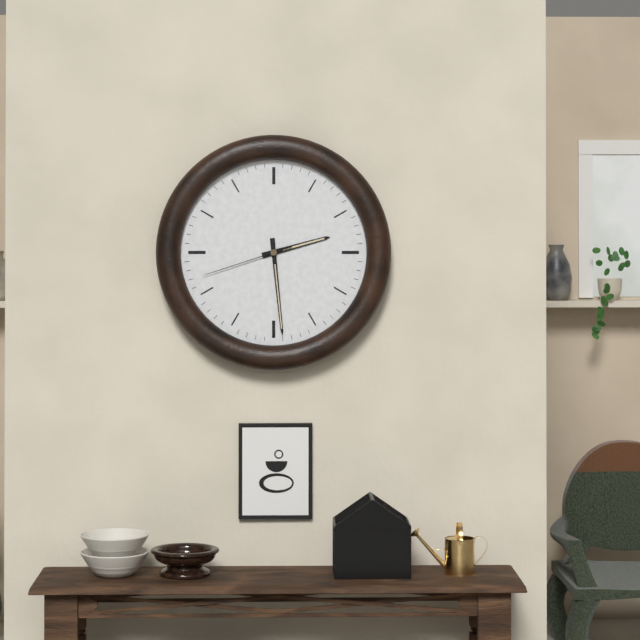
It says 2 h 29 min 42 s
